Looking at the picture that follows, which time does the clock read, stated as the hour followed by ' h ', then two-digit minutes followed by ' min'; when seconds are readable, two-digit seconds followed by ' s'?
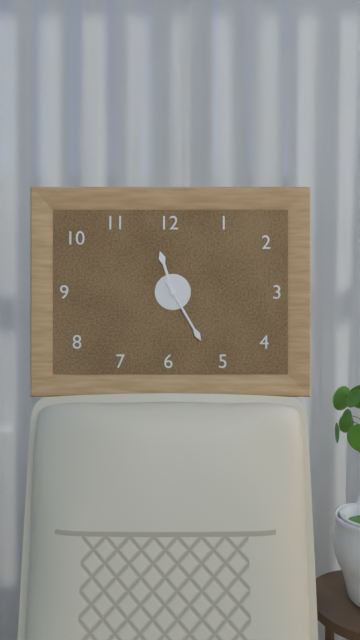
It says 11 h 25 min
